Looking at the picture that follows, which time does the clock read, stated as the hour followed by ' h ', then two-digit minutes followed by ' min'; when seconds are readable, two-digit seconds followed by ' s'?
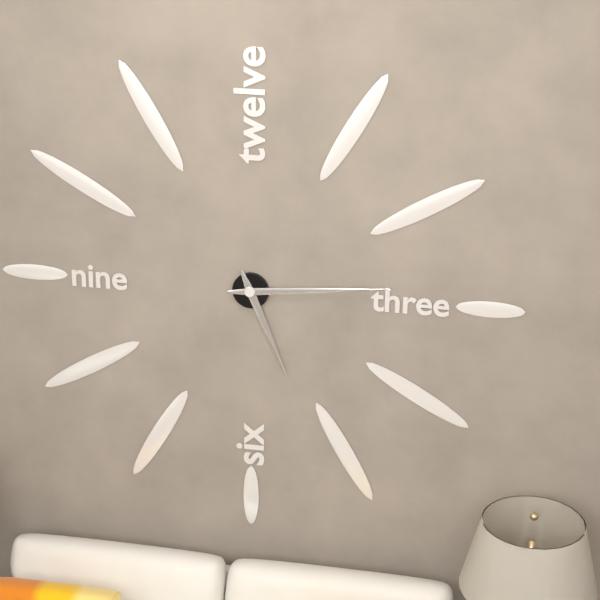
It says 5 h 14 min
